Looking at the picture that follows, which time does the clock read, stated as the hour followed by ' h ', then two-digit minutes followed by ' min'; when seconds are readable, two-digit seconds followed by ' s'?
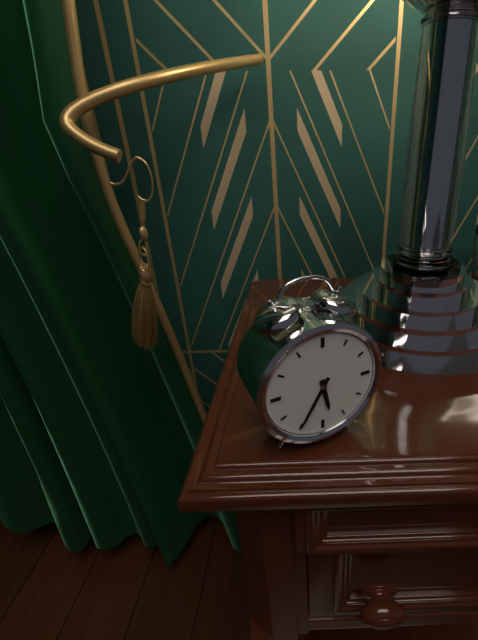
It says 5 h 35 min
